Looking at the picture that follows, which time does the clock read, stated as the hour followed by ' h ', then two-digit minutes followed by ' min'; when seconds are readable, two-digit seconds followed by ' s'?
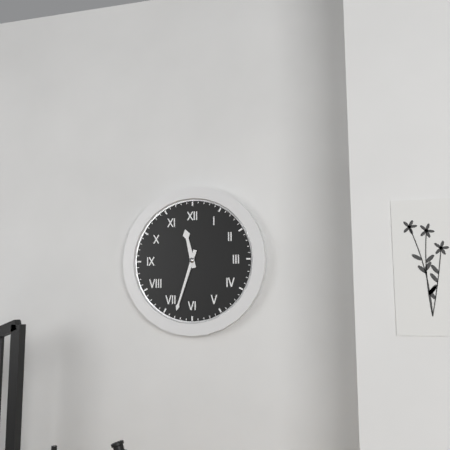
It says 11 h 33 min
